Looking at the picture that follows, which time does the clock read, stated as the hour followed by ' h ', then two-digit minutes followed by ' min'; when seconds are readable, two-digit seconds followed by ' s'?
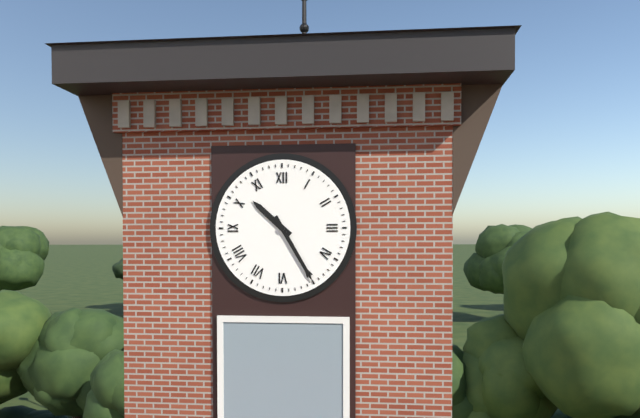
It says 10 h 25 min
